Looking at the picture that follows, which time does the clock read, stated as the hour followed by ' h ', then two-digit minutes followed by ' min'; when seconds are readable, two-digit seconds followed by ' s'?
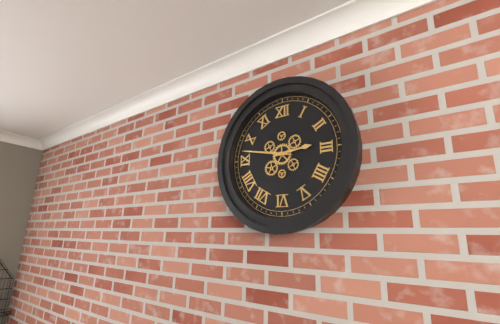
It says 2 h 47 min
